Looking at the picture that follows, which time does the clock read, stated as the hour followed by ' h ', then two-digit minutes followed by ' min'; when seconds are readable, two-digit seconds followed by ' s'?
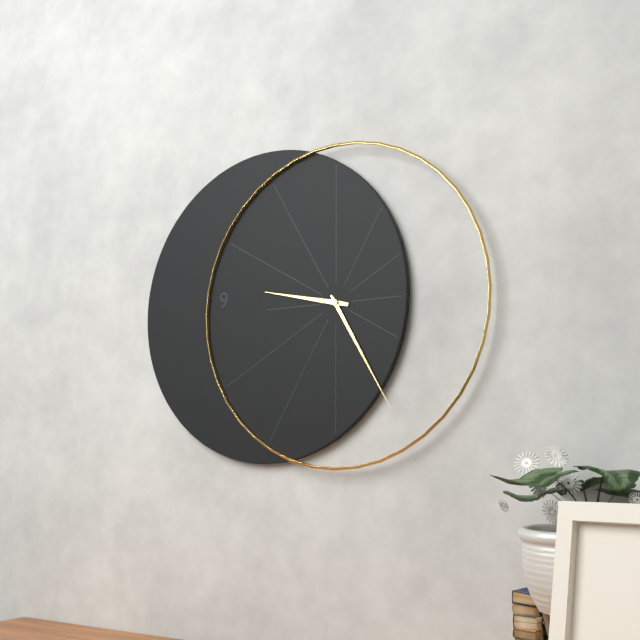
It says 9 h 25 min
